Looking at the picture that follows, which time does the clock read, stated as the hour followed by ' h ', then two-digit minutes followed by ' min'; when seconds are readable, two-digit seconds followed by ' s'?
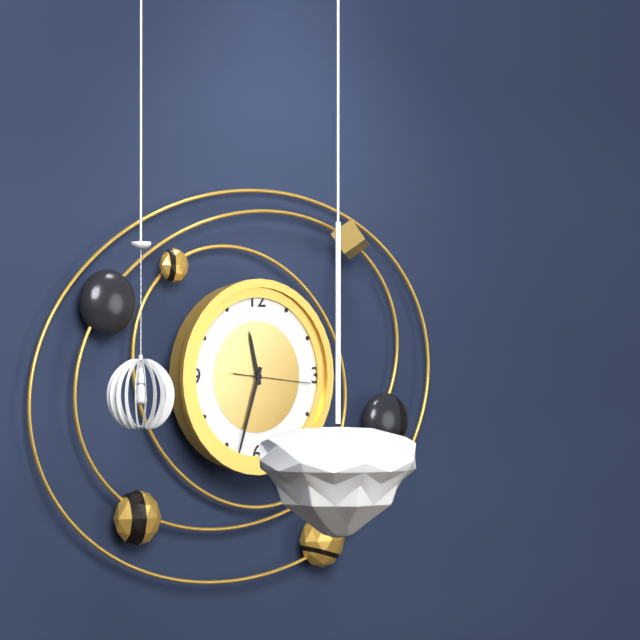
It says 11 h 33 min 16 s
